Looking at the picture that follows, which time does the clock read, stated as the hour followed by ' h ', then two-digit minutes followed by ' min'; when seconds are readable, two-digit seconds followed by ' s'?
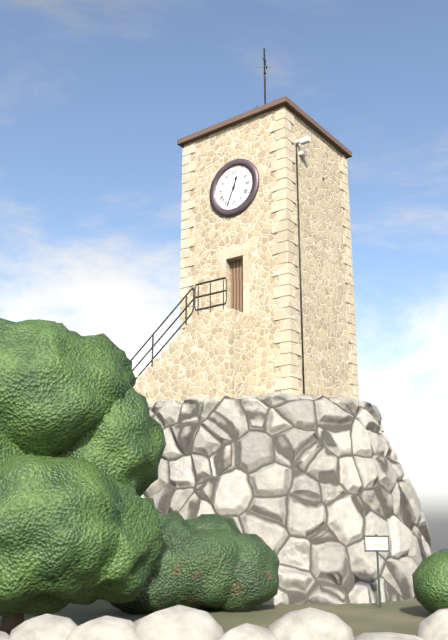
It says 12 h 34 min
